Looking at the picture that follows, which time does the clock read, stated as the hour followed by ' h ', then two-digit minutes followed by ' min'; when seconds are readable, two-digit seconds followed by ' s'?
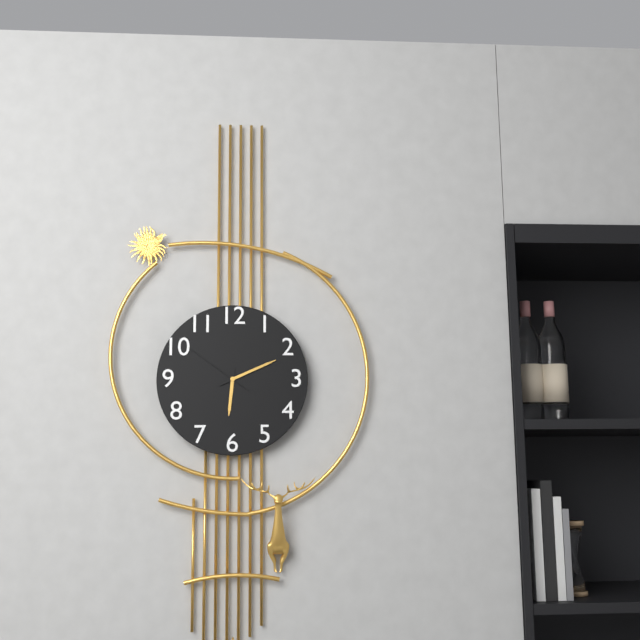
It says 6 h 11 min 51 s
